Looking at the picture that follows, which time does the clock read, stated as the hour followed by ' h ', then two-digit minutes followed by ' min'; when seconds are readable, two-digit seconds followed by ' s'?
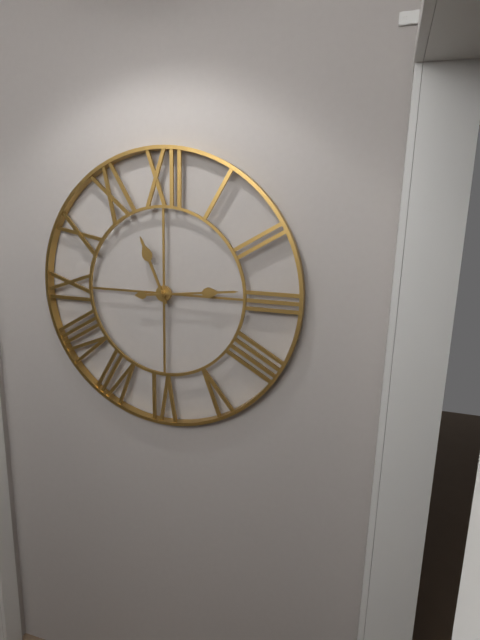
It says 11 h 14 min
